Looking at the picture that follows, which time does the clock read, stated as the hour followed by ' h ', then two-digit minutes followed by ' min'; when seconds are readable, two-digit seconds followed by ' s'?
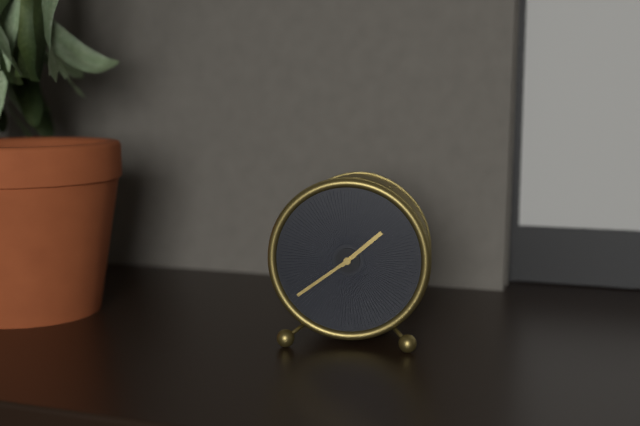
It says 1 h 39 min
